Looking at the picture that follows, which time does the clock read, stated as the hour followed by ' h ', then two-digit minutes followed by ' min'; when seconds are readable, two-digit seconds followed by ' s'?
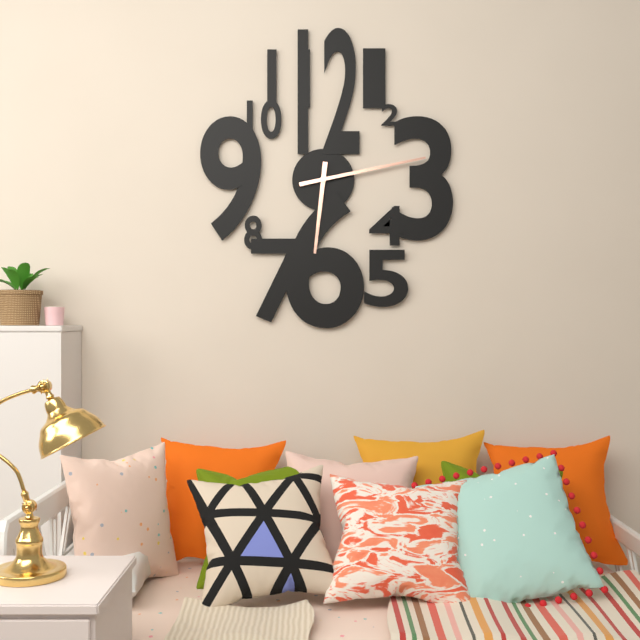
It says 6 h 13 min 31 s
